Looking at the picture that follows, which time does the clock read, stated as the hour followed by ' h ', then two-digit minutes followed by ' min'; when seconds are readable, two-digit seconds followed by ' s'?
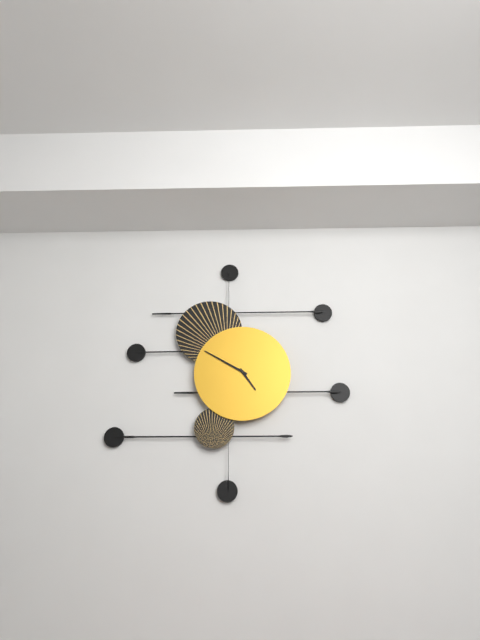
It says 4 h 50 min
